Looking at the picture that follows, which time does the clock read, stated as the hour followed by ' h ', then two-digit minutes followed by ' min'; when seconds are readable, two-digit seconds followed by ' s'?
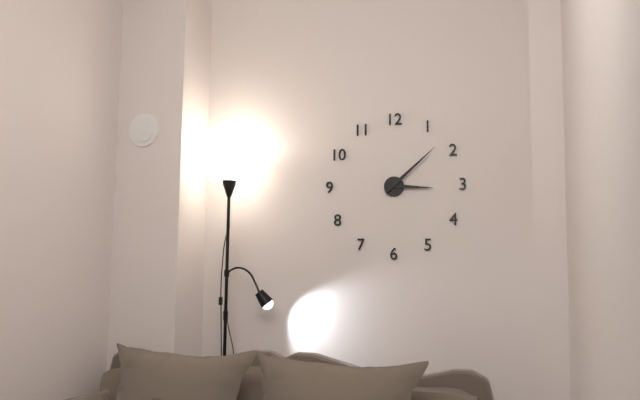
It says 3 h 08 min
